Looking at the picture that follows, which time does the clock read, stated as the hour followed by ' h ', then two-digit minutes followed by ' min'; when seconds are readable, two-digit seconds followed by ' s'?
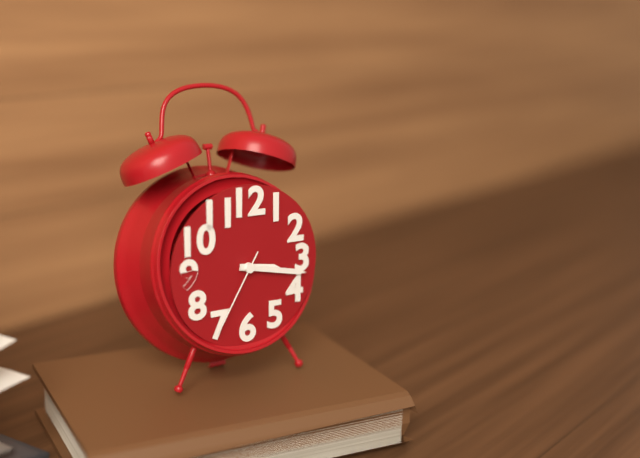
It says 3 h 17 min 35 s
